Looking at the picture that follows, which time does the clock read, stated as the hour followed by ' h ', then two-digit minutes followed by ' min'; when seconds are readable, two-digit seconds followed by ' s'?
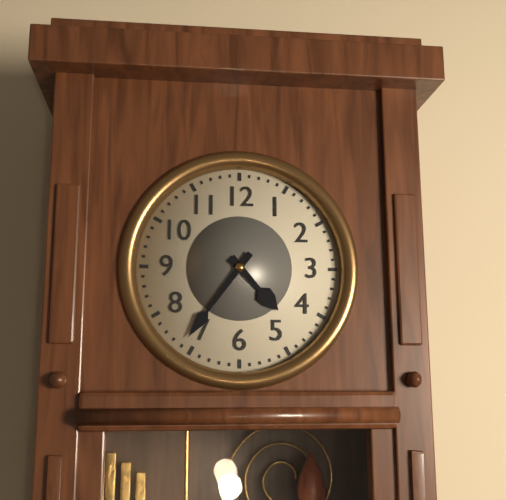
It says 4 h 36 min
